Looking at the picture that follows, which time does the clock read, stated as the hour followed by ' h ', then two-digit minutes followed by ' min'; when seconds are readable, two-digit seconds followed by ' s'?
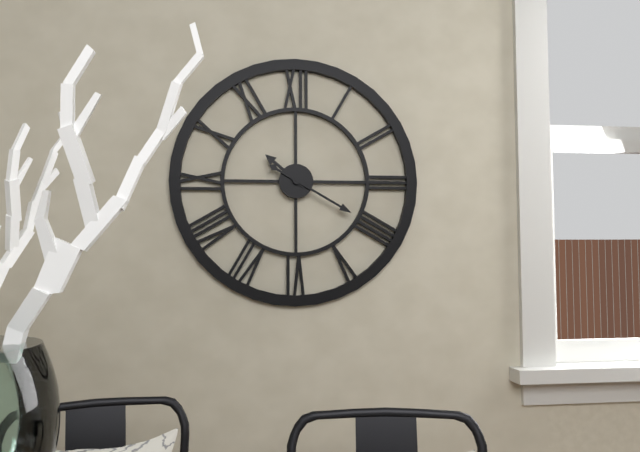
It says 10 h 20 min
